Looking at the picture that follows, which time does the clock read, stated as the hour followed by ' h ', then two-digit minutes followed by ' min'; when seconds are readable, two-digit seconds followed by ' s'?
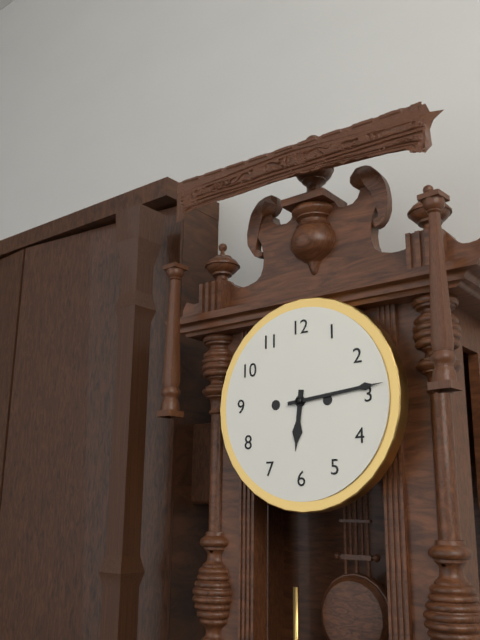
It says 6 h 14 min
